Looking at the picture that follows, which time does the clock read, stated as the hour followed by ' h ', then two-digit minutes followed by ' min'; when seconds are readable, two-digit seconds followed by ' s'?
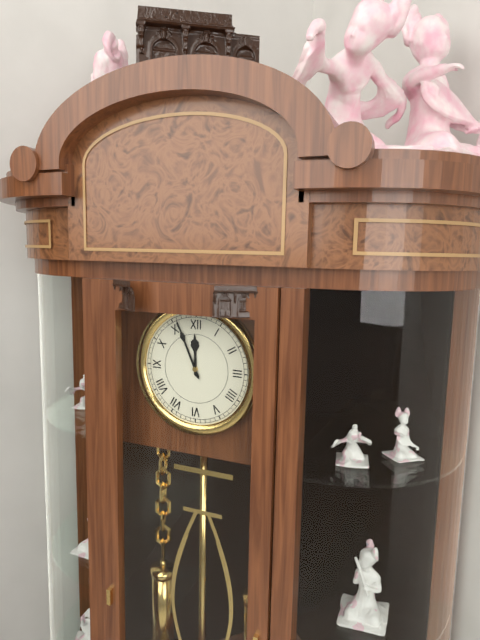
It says 11 h 56 min
